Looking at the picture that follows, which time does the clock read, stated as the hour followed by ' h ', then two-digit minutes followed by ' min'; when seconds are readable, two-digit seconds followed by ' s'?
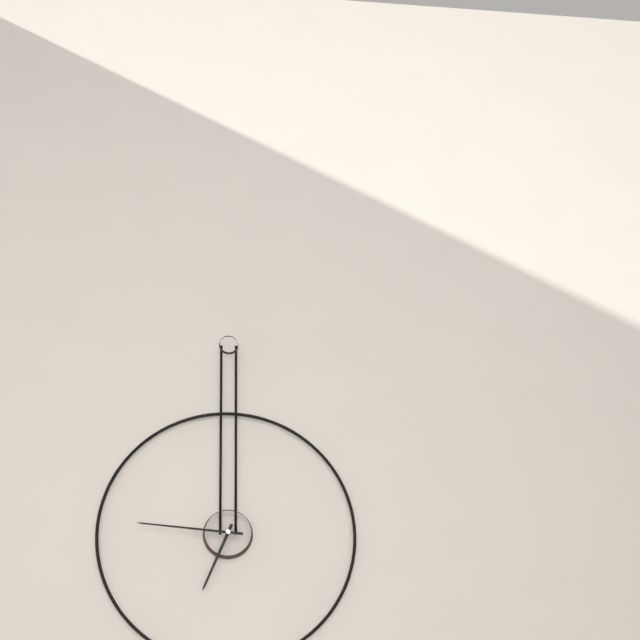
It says 6 h 46 min
